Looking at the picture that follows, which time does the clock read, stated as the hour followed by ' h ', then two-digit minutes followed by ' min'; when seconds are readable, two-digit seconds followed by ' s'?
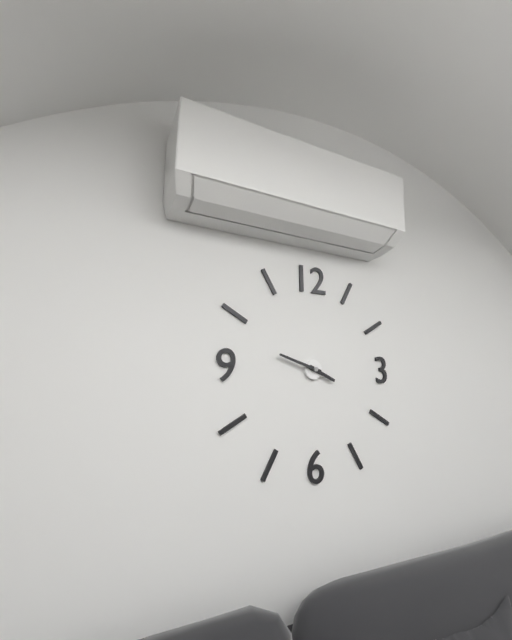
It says 3 h 48 min
